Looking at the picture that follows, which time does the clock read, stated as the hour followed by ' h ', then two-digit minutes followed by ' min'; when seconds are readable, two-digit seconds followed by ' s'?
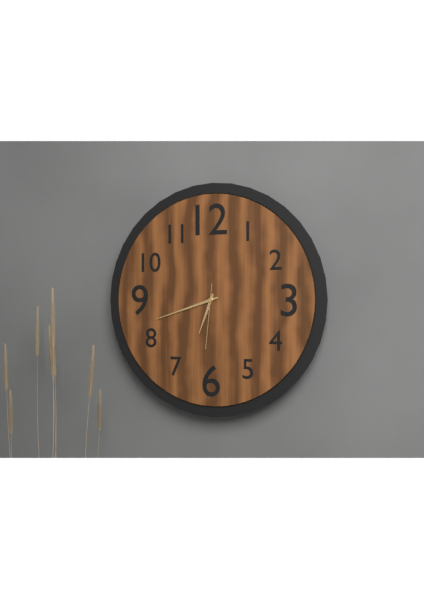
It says 6 h 42 min 31 s
